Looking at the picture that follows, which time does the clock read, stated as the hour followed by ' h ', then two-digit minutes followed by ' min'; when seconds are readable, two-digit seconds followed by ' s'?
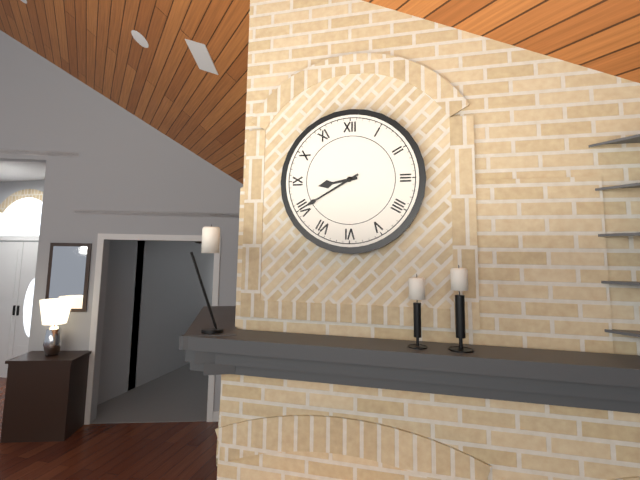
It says 8 h 40 min
